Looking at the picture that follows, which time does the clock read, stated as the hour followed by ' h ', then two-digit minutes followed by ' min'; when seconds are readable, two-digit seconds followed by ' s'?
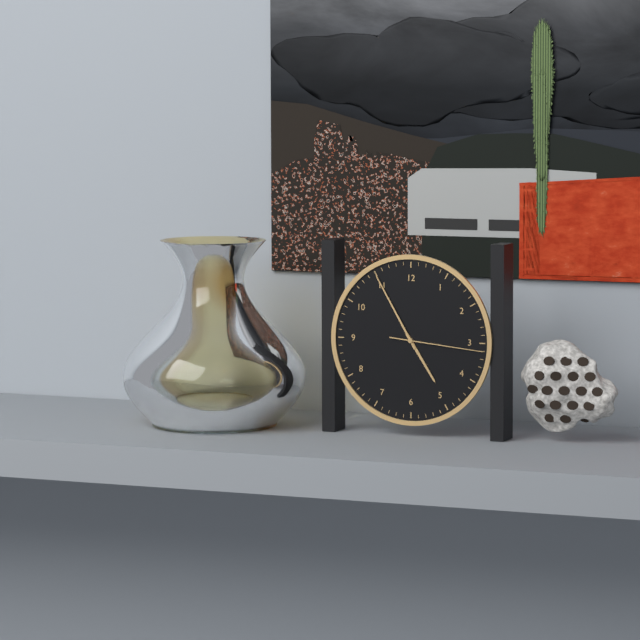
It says 4 h 55 min 16 s
